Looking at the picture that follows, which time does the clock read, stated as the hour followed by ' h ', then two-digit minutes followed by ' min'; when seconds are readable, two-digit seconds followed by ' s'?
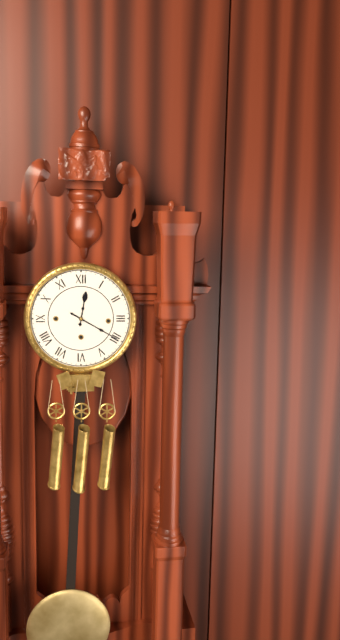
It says 12 h 20 min
